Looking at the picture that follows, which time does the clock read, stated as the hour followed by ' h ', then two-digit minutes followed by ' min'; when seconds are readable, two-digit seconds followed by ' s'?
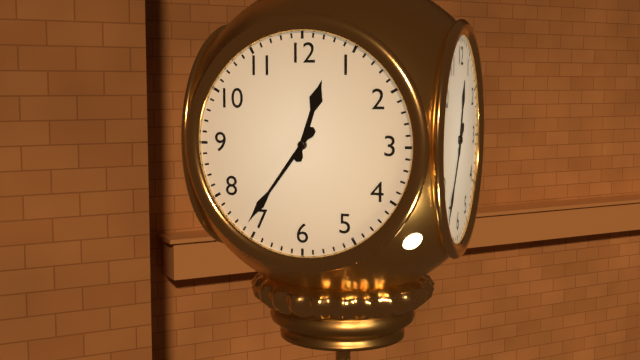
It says 12 h 36 min
